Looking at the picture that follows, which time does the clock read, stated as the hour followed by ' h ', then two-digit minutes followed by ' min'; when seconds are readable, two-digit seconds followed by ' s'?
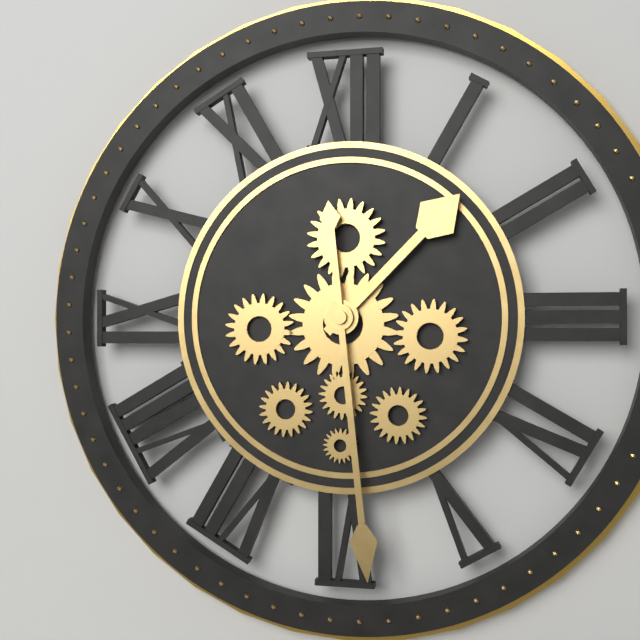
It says 1 h 29 min
